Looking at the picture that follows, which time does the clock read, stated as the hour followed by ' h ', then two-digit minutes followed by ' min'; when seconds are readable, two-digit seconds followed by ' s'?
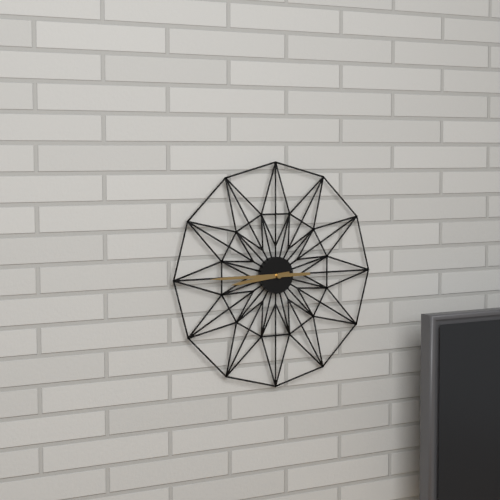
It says 8 h 45 min
